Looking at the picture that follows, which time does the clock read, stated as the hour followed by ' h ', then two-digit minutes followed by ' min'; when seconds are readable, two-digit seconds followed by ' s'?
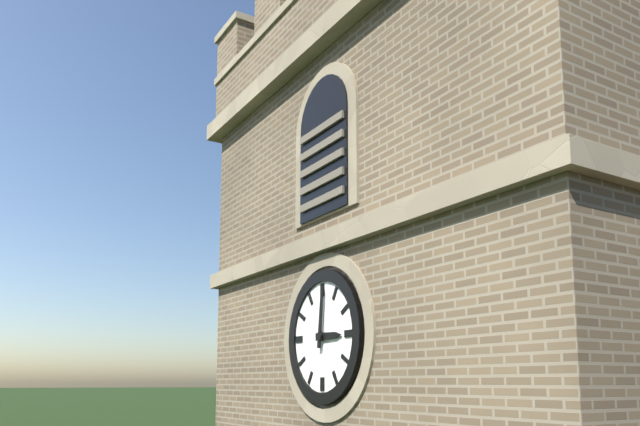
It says 3 h 01 min
